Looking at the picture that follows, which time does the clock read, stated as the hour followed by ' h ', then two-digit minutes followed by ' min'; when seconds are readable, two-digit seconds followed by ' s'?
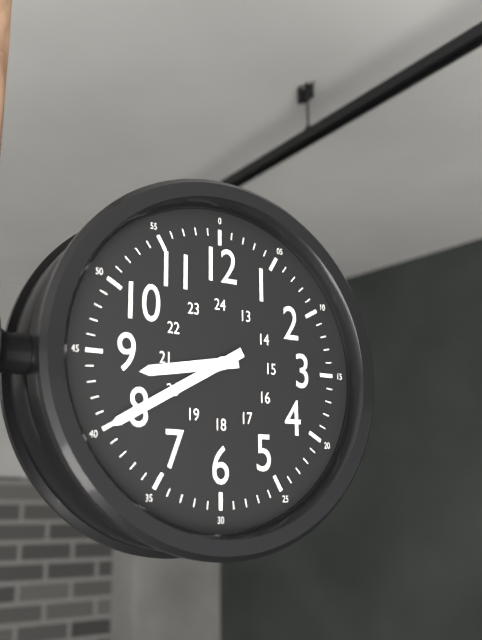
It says 8 h 40 min
